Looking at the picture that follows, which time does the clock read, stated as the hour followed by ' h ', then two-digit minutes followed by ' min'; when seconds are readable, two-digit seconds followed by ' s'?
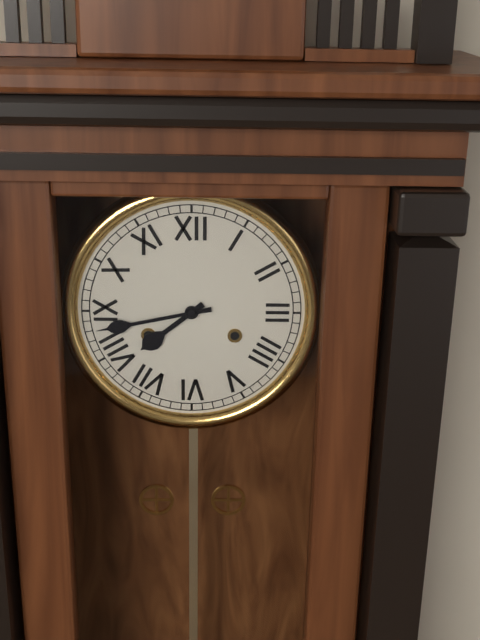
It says 7 h 43 min
